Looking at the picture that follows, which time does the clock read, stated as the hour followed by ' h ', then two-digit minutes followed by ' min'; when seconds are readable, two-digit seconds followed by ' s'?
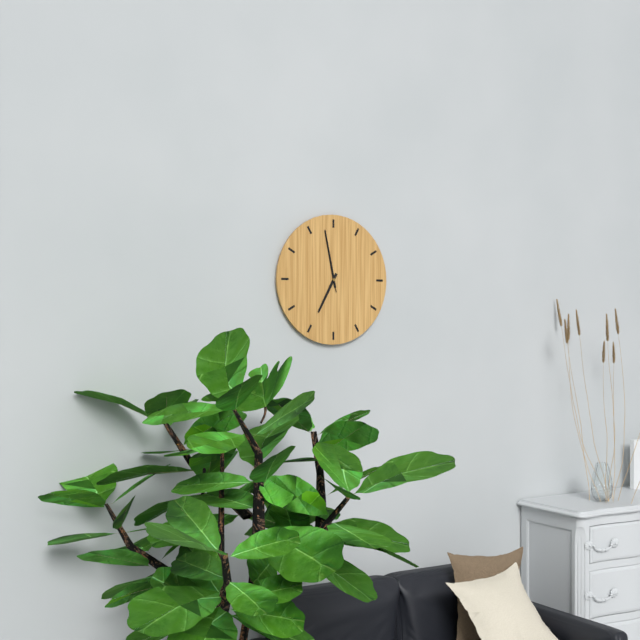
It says 6 h 58 min 58 s
